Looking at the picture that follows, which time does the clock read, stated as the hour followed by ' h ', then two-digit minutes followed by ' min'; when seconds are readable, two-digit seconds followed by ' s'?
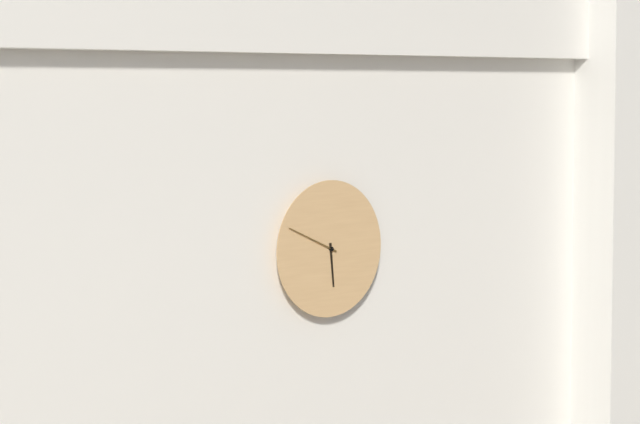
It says 5 h 49 min
